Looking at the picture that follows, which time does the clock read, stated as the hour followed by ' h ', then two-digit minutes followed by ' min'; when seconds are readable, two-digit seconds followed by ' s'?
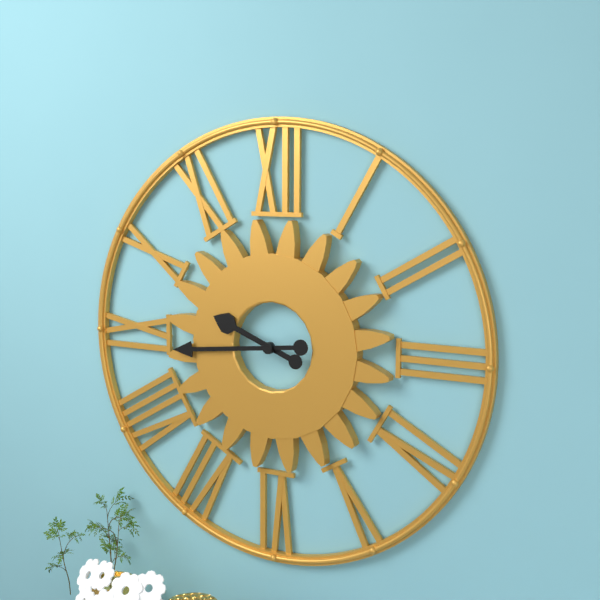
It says 9 h 44 min
